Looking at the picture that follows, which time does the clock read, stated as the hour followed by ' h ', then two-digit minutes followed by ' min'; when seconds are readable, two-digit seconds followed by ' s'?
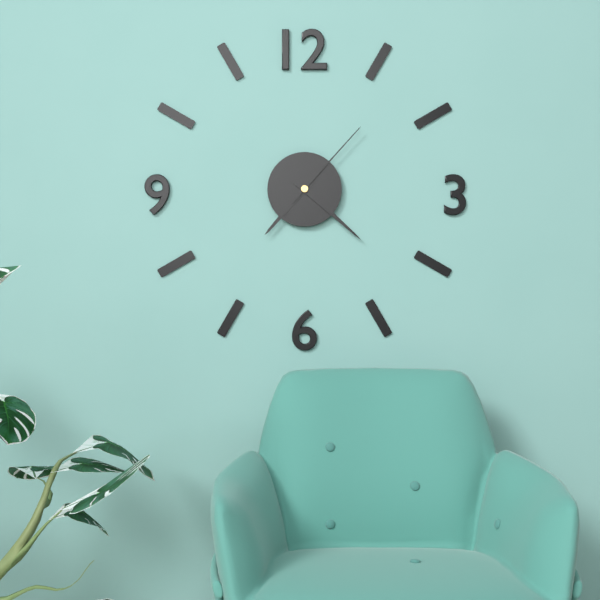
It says 7 h 22 min 07 s
